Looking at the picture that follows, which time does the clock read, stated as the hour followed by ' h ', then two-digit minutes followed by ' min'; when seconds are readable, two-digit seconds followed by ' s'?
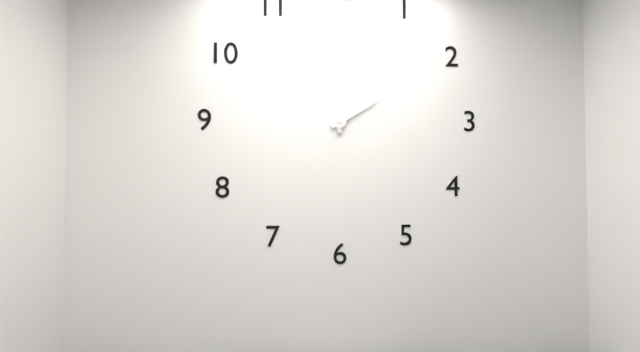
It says 2 h 00 min
